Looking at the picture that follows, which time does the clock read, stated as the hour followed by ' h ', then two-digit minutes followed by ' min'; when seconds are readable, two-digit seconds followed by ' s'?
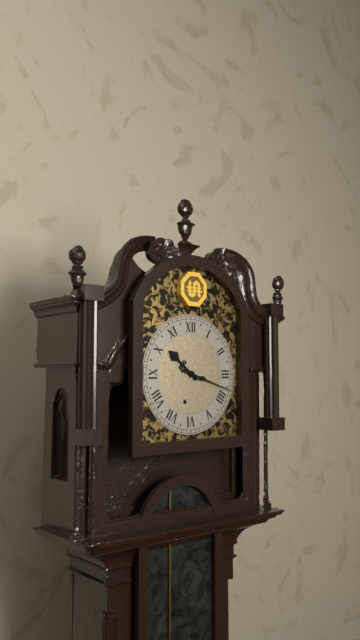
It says 10 h 18 min
